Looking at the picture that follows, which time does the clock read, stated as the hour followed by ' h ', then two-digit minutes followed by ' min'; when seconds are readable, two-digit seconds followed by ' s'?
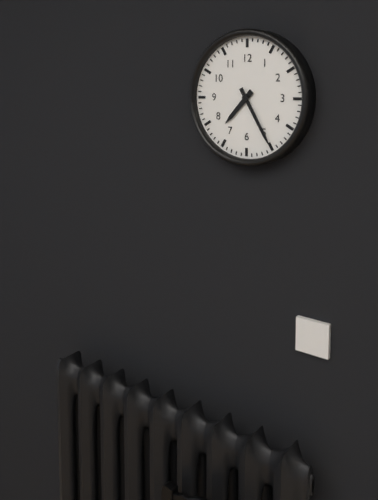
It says 7 h 25 min
